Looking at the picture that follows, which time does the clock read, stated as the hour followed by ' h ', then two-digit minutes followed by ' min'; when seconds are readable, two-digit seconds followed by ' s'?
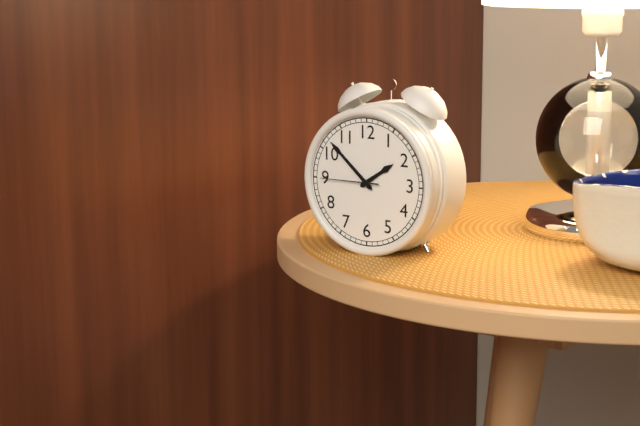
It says 1 h 52 min 45 s
